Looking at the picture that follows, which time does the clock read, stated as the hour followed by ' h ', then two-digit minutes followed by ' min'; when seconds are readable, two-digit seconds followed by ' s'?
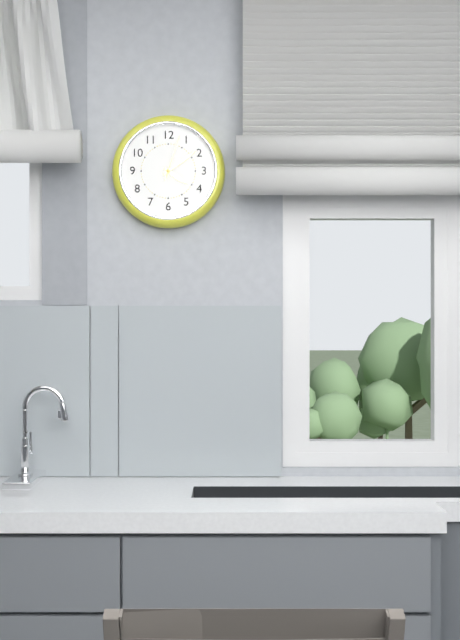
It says 4 h 09 min
